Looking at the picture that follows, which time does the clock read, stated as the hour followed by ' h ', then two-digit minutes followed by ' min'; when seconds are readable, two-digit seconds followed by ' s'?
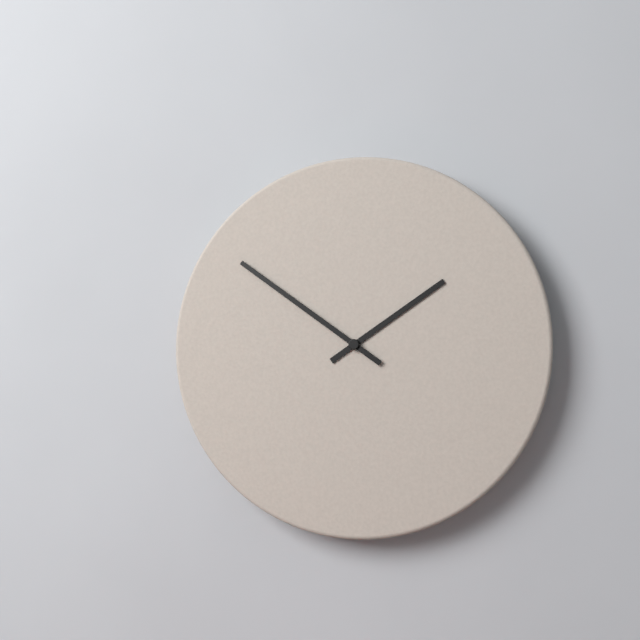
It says 1 h 51 min
